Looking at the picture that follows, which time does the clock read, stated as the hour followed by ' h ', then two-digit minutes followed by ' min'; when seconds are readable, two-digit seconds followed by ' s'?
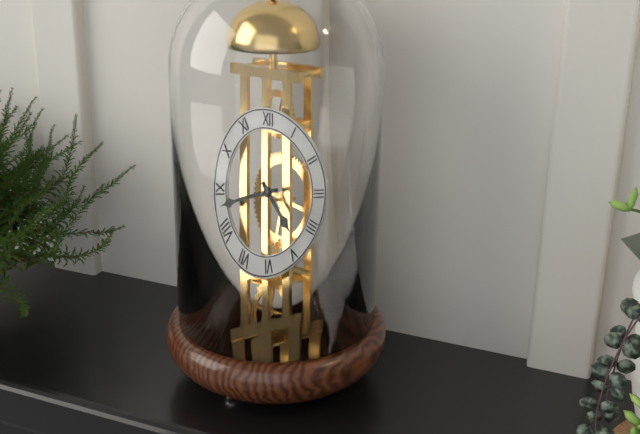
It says 4 h 43 min
